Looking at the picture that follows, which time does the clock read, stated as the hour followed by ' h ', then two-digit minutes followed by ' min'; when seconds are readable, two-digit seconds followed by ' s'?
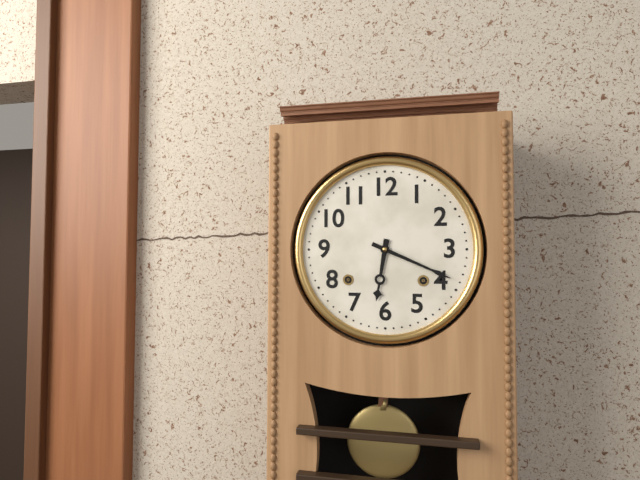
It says 6 h 19 min
